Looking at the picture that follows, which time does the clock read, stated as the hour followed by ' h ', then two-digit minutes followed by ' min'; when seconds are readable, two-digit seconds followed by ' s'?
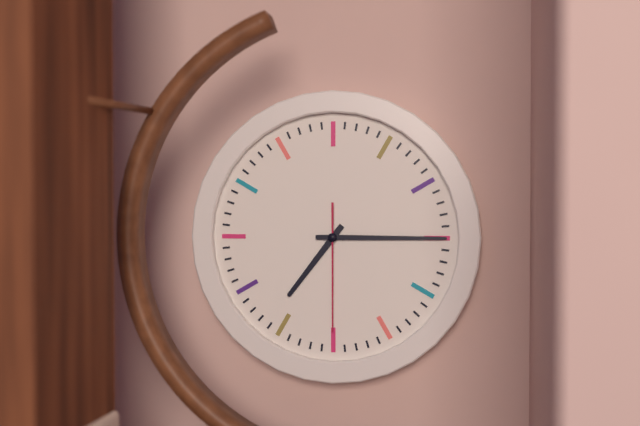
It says 7 h 15 min 30 s
